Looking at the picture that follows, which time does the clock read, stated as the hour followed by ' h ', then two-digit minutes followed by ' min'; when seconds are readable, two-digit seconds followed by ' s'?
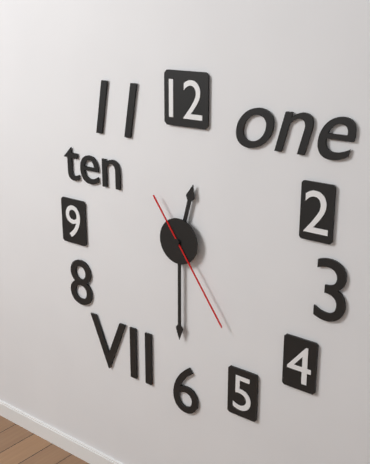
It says 12 h 30 min 24 s
